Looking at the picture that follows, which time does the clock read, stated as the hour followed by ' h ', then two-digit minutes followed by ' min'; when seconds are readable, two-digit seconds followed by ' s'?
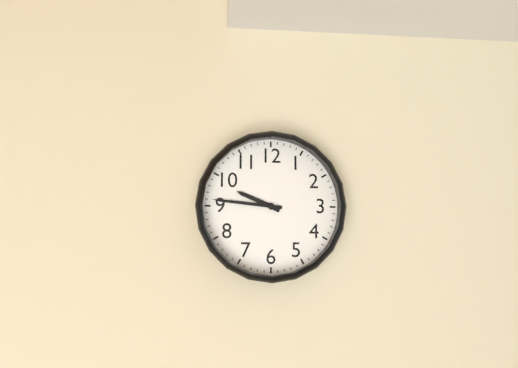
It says 9 h 46 min
